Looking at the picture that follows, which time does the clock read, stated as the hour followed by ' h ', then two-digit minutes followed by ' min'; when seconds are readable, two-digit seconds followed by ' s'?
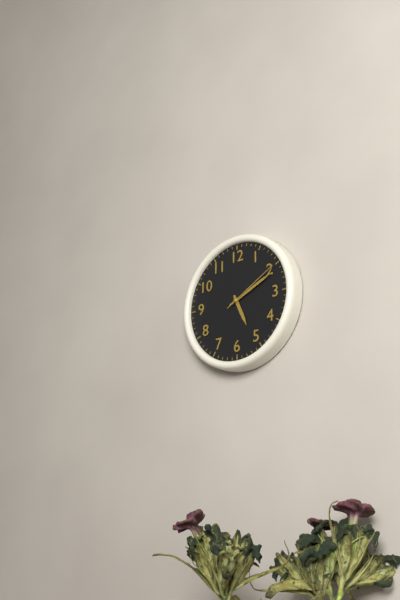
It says 5 h 11 min 10 s
